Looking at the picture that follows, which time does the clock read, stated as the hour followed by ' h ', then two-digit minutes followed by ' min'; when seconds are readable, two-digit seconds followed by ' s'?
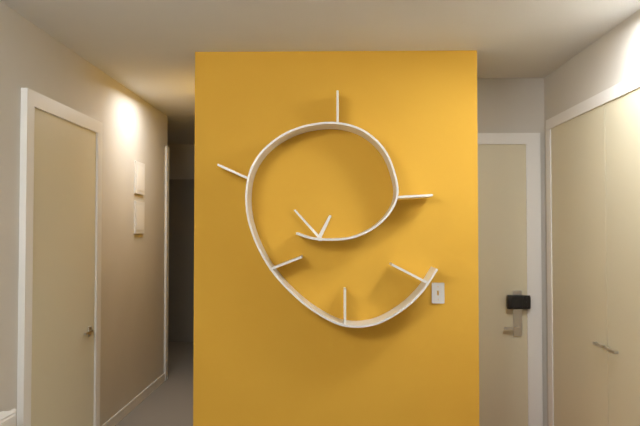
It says 12 h 53 min
